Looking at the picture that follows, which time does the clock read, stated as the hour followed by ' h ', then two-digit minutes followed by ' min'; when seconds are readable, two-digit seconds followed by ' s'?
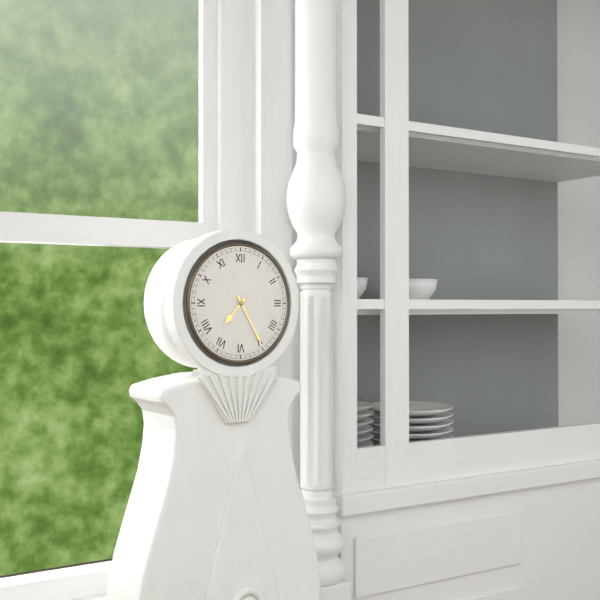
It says 7 h 25 min
